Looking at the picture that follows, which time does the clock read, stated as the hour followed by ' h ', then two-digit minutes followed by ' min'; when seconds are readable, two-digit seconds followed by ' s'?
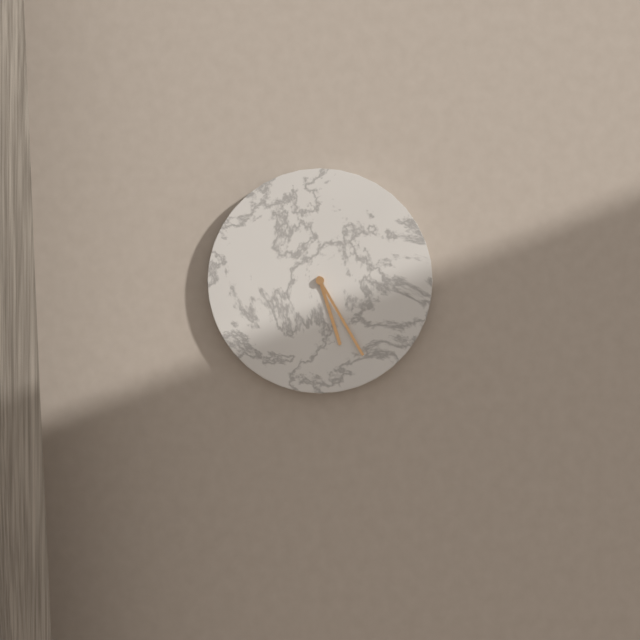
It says 5 h 25 min
